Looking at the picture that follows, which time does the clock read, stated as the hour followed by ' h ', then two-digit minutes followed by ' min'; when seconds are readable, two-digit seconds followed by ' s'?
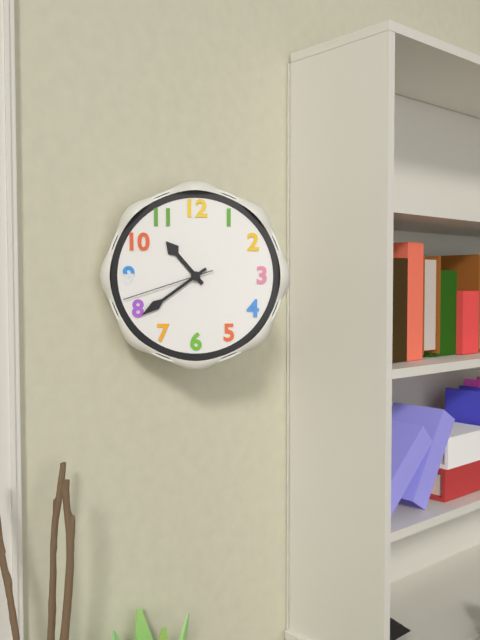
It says 10 h 39 min 42 s
